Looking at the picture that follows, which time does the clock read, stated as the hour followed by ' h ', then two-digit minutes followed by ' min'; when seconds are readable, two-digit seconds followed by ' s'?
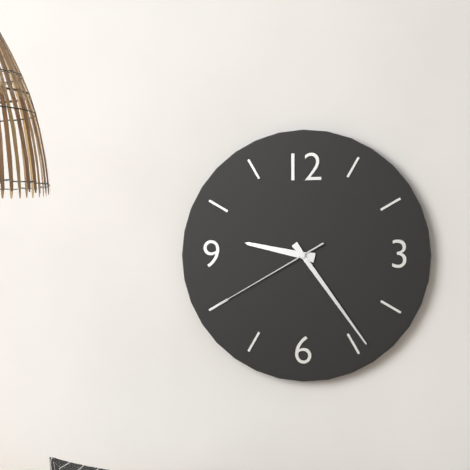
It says 9 h 24 min 40 s
